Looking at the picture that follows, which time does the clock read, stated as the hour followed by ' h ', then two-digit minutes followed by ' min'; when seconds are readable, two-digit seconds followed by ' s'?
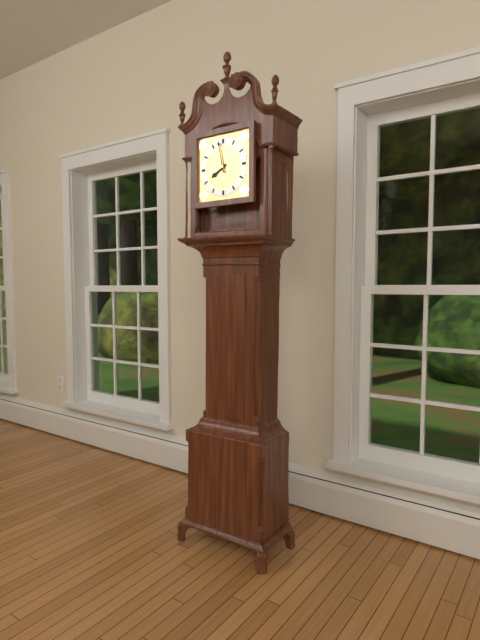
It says 7 h 58 min
